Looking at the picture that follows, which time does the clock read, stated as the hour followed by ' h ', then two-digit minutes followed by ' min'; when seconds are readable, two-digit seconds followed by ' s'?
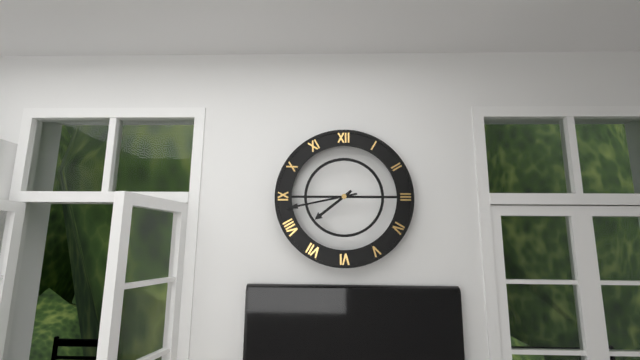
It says 7 h 43 min
